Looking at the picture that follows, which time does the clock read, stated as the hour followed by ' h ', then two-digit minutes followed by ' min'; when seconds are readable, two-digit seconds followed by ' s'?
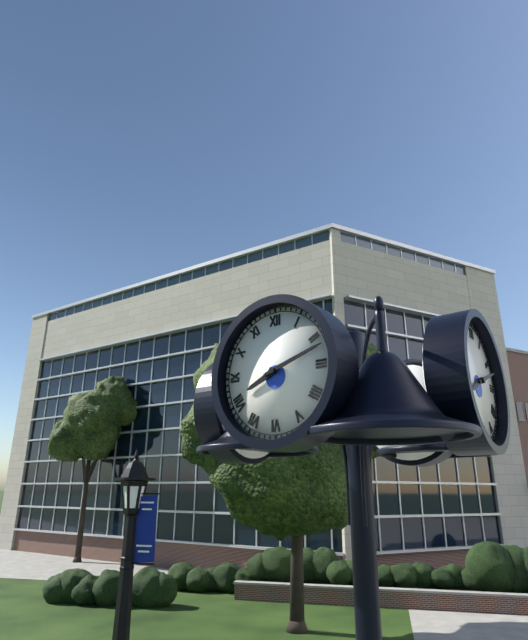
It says 8 h 12 min
